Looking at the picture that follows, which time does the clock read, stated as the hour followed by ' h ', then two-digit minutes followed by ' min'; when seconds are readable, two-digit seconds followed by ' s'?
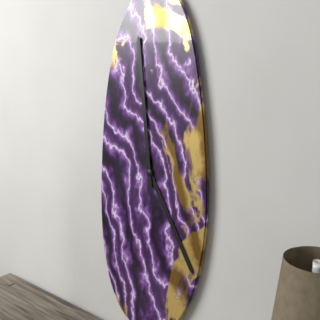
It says 4 h 59 min
